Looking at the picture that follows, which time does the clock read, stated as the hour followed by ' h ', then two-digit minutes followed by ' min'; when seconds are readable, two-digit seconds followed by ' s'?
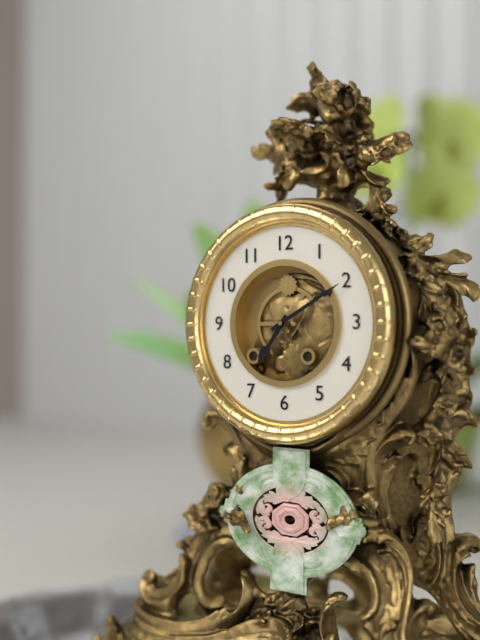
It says 7 h 10 min
